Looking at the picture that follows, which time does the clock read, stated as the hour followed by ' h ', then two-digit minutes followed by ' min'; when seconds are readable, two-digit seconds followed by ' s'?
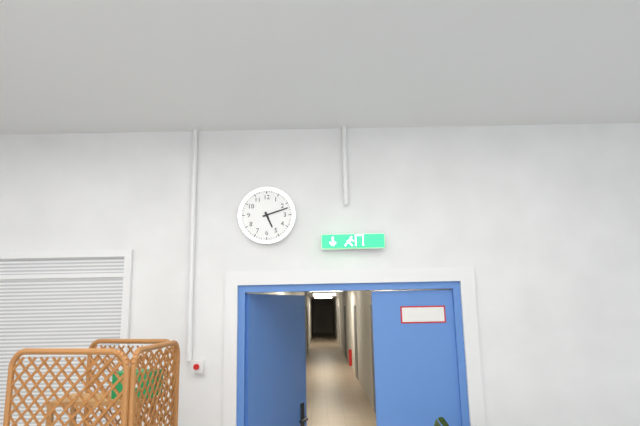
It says 5 h 12 min
